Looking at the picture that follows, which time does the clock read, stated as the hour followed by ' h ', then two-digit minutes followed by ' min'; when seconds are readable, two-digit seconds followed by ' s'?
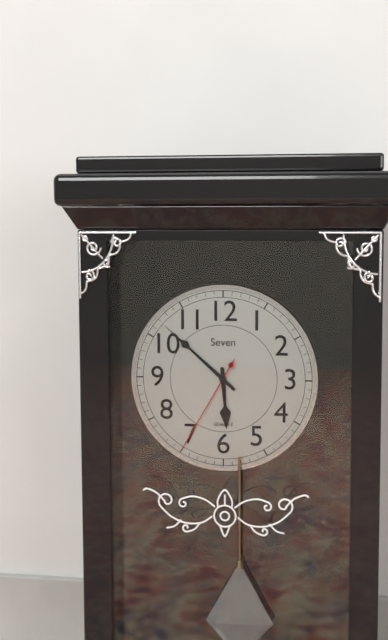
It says 5 h 52 min 35 s
